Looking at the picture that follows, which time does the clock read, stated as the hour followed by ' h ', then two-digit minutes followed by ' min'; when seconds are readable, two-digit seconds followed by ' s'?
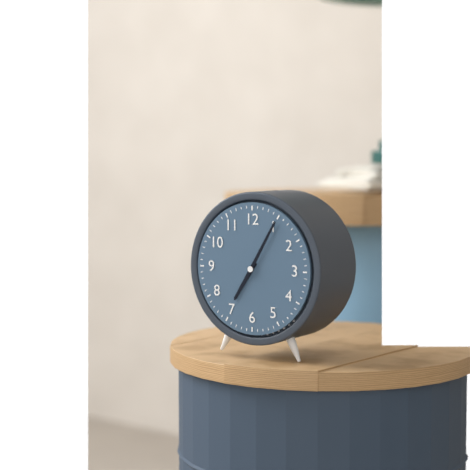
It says 7 h 05 min
